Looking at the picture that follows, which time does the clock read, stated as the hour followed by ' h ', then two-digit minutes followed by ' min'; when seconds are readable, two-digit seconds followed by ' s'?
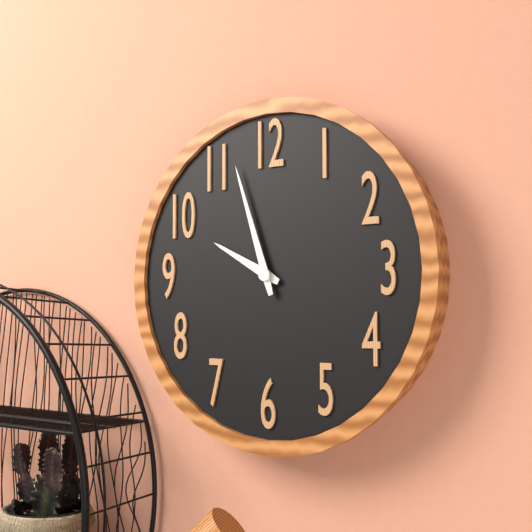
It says 9 h 57 min
